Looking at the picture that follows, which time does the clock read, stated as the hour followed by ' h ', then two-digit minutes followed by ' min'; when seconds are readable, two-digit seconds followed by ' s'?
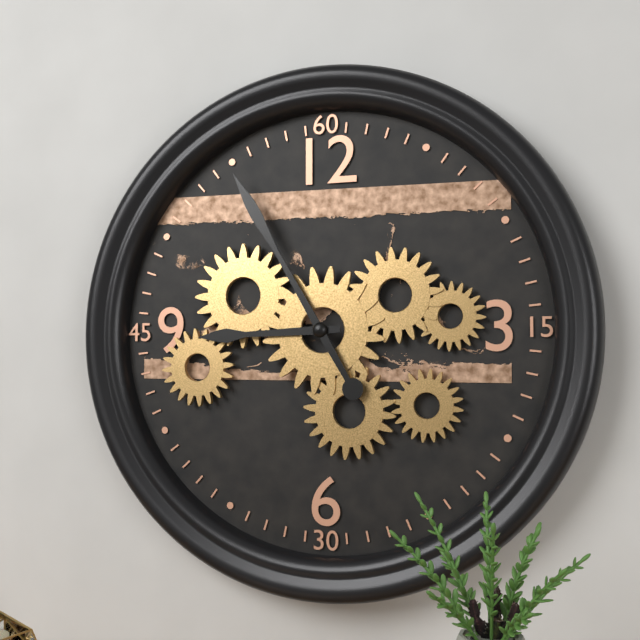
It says 8 h 55 min
